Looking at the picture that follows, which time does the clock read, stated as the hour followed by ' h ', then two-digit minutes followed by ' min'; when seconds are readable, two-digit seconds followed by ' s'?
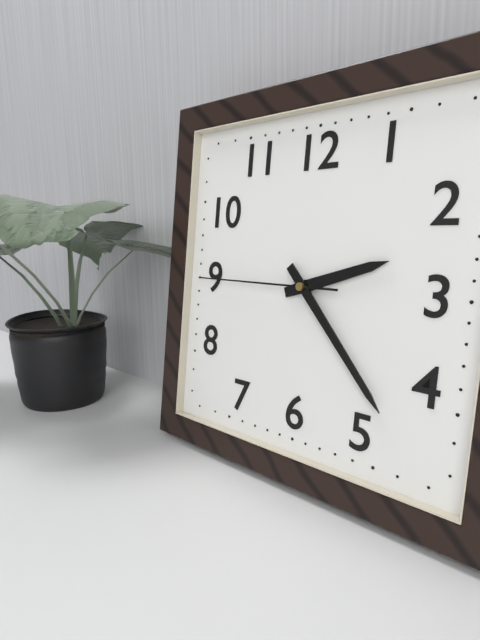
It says 2 h 23 min 45 s
